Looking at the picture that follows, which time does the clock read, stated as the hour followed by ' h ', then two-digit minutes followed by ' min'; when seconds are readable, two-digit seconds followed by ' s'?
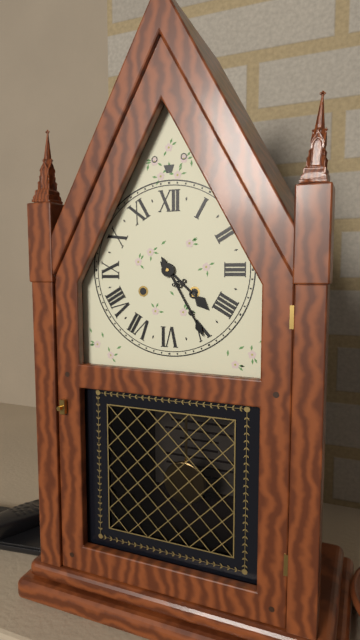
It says 4 h 25 min
